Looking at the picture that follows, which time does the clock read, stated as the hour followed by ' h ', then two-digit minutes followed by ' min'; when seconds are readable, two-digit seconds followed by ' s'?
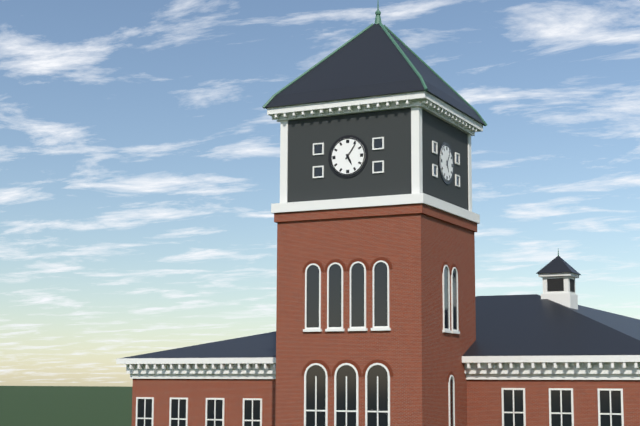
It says 5 h 06 min
